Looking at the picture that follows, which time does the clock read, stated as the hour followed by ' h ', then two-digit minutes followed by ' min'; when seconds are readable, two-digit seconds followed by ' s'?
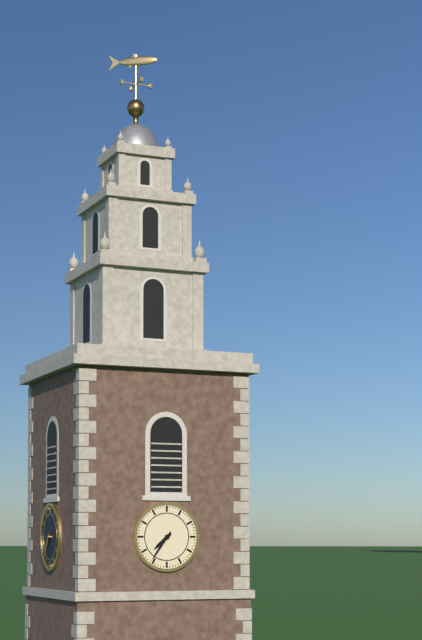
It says 7 h 36 min
